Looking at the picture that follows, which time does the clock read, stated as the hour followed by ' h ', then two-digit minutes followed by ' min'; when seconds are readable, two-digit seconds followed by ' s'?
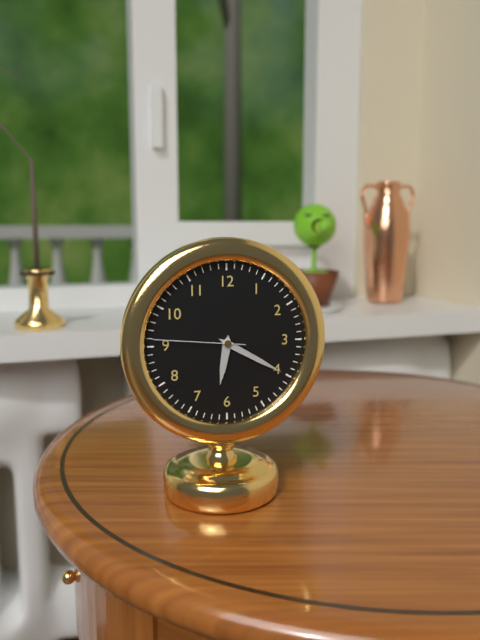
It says 6 h 20 min 46 s
